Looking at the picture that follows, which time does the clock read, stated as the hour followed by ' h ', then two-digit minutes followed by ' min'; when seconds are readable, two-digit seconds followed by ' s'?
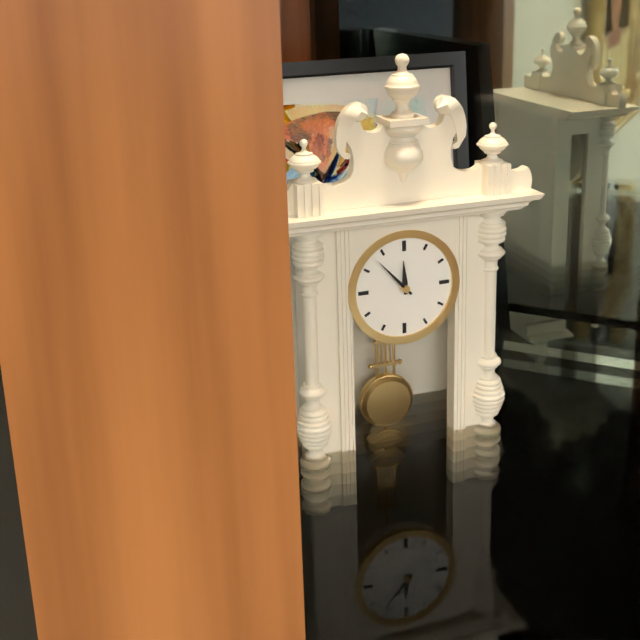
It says 11 h 53 min
